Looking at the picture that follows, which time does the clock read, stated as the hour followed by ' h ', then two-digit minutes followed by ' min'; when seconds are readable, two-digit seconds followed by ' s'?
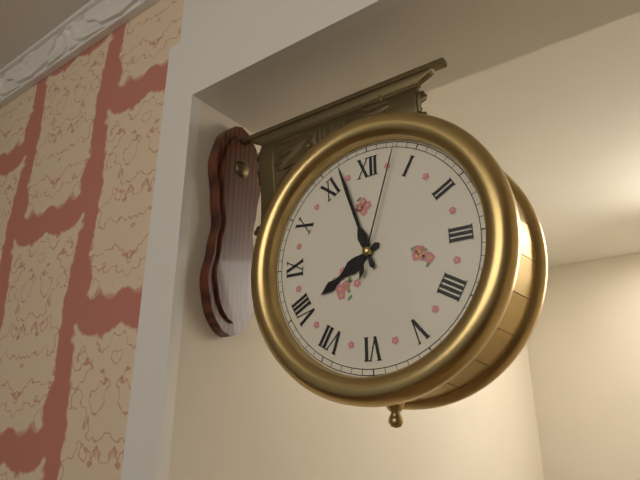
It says 7 h 57 min 03 s
